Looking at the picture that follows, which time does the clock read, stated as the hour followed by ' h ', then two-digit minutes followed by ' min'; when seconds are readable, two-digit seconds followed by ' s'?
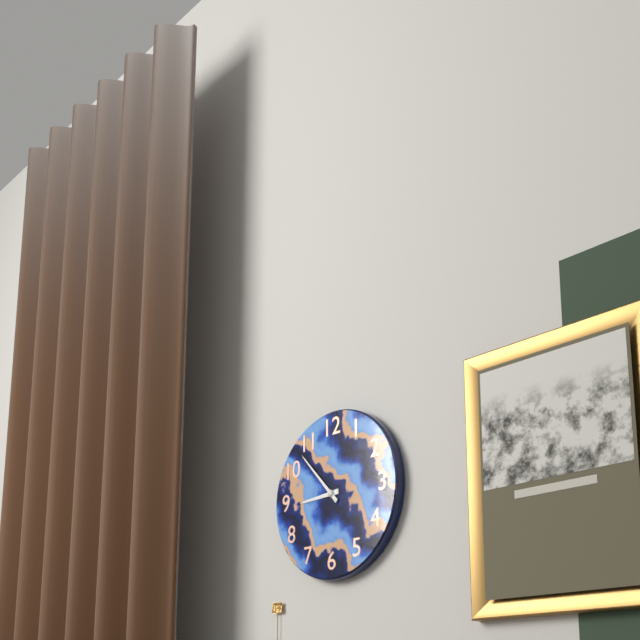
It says 8 h 53 min
